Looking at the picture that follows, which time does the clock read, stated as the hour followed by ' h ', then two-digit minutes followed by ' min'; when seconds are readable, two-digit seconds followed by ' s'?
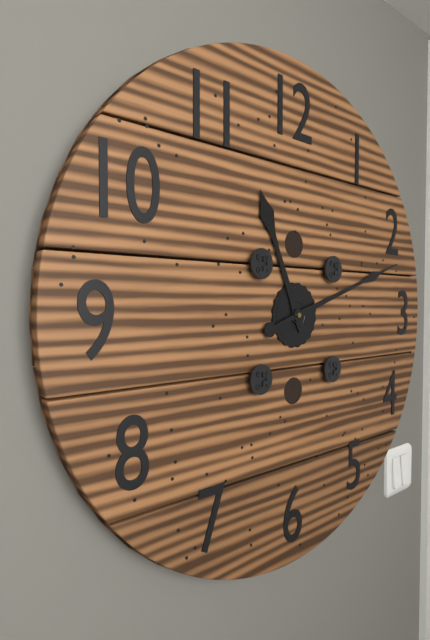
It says 11 h 12 min
